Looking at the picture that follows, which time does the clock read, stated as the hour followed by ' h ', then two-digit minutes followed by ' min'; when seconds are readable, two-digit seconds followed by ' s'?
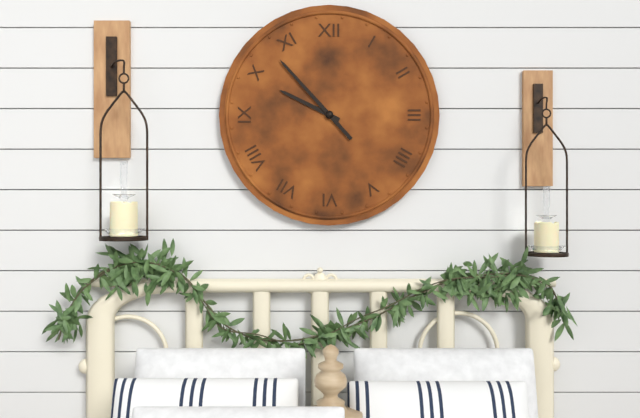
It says 9 h 53 min
